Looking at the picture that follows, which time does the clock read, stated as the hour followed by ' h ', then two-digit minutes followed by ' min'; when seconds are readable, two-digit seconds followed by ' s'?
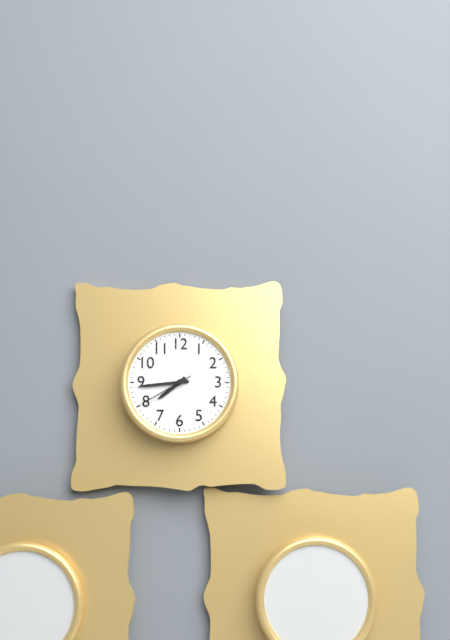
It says 7 h 44 min 40 s
